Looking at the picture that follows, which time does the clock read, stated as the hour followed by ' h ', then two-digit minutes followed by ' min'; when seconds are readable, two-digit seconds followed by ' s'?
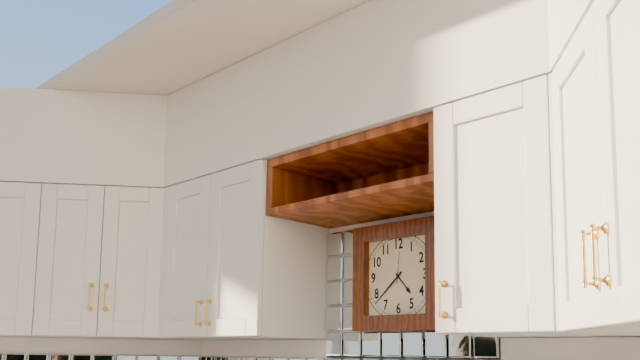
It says 4 h 38 min
